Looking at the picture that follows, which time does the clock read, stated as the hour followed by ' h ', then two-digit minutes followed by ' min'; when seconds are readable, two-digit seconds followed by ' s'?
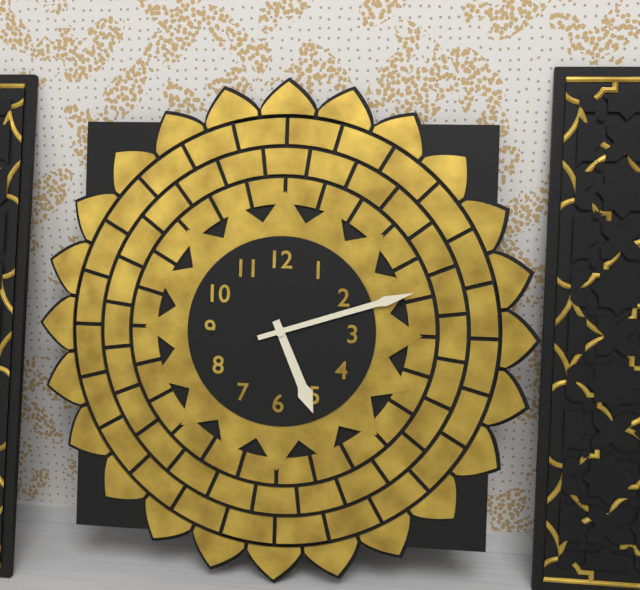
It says 5 h 12 min
